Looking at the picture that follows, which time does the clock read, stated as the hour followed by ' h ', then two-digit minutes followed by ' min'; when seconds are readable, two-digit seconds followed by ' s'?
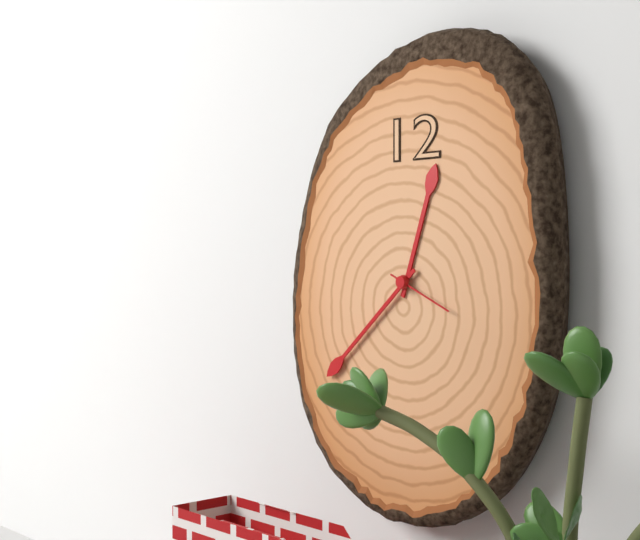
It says 12 h 38 min 19 s
